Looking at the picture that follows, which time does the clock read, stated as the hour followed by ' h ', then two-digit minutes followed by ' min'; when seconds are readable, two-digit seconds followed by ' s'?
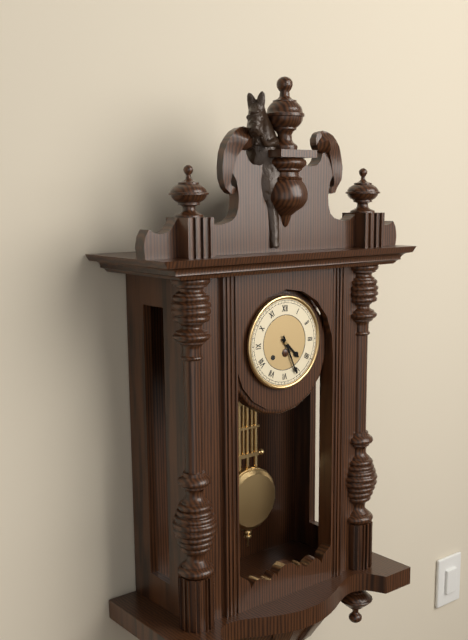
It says 4 h 26 min
